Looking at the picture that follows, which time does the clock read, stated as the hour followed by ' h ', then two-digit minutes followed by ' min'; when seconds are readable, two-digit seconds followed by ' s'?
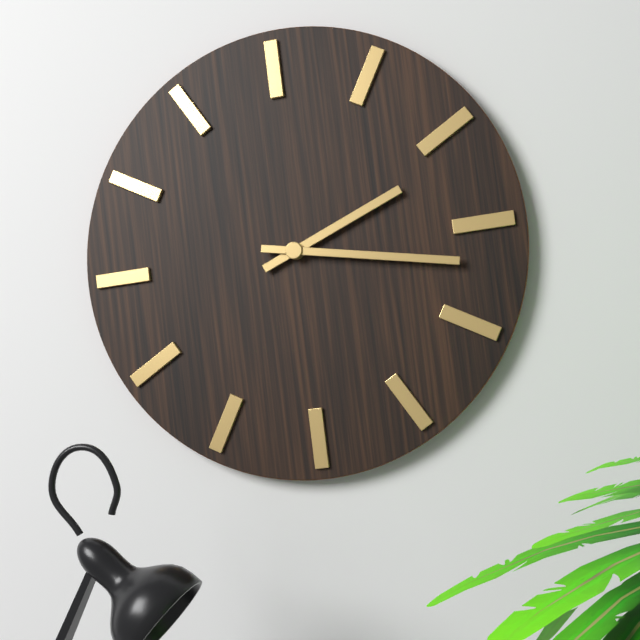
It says 2 h 17 min
